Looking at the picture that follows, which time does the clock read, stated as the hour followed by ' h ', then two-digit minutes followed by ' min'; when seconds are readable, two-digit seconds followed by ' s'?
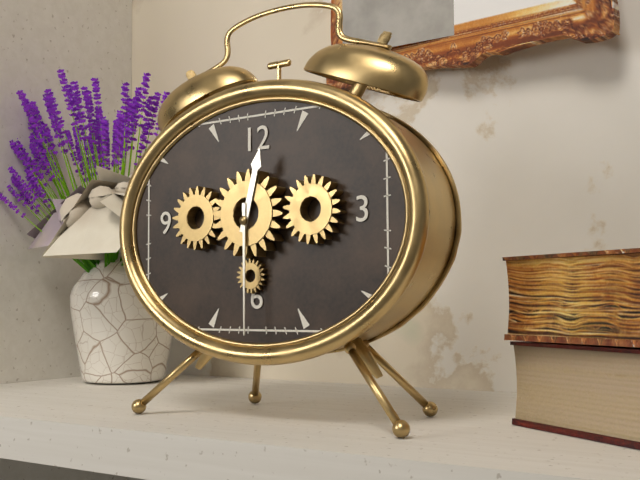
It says 12 h 30 min
